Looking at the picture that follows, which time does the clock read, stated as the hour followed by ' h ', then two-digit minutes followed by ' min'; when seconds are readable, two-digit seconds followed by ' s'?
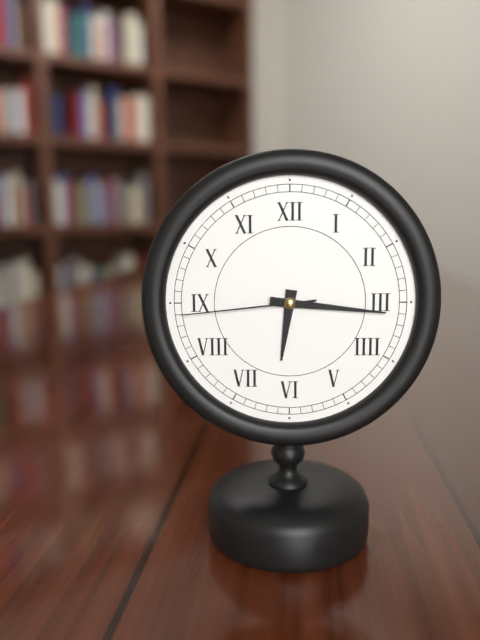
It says 6 h 16 min 44 s
